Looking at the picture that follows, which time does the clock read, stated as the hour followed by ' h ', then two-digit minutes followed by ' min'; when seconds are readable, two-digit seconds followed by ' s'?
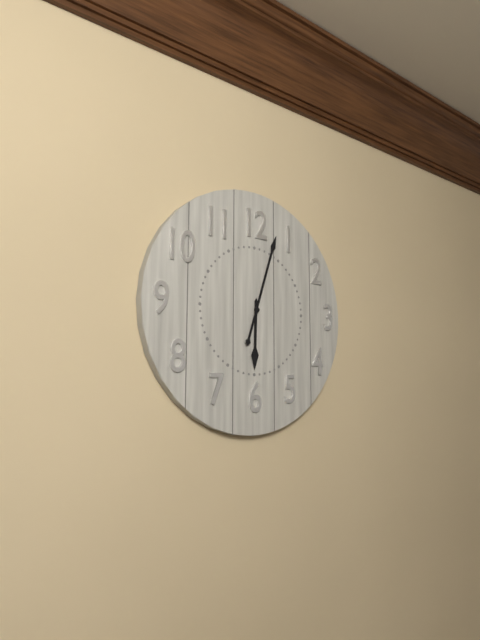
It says 6 h 03 min
